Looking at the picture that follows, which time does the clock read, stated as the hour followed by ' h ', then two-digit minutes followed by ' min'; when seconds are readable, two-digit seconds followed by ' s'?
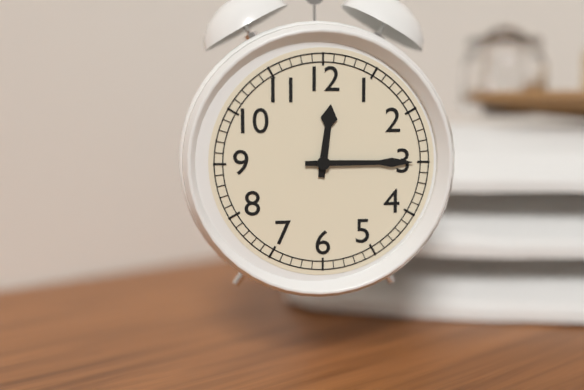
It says 12 h 15 min
